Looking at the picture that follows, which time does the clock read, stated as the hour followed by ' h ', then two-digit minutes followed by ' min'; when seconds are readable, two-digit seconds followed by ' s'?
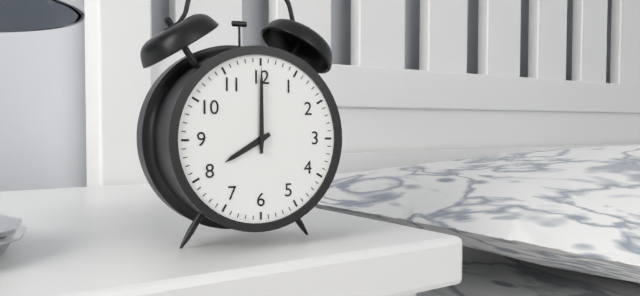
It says 8 h 00 min
